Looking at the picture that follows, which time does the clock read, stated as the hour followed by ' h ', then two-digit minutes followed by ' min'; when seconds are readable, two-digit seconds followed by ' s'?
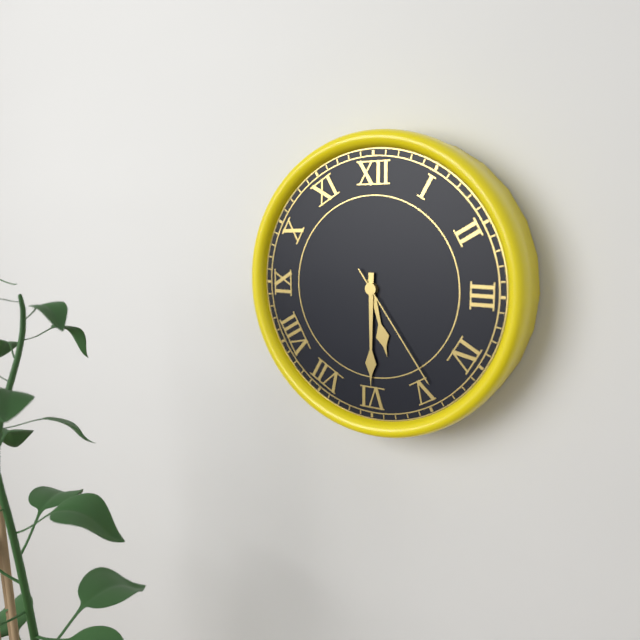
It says 5 h 30 min 24 s
